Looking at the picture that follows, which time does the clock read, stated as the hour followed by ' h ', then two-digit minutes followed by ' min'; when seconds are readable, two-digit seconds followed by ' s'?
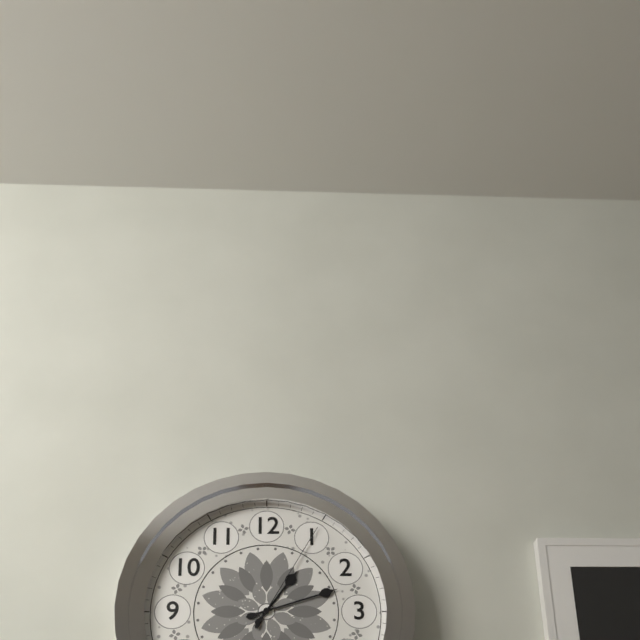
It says 1 h 12 min 05 s
